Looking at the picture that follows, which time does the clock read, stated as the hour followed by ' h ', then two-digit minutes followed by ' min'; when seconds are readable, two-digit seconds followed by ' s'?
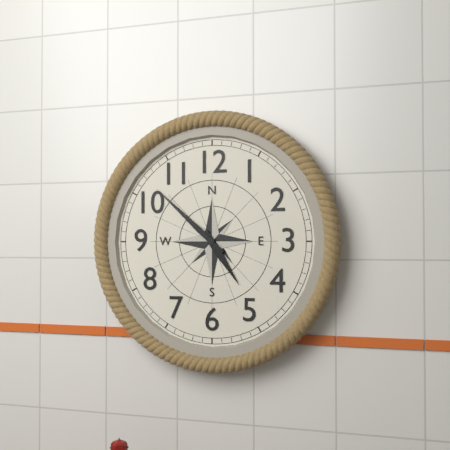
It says 4 h 52 min
